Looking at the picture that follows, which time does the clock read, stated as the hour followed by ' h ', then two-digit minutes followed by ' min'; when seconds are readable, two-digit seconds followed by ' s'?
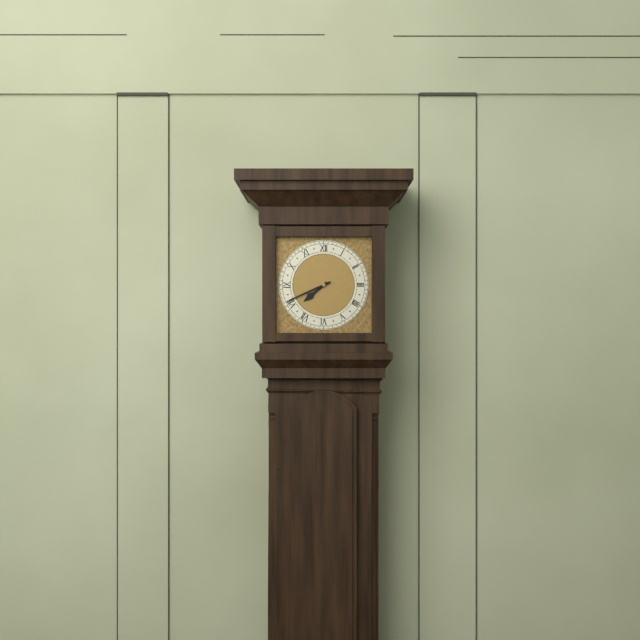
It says 7 h 41 min
